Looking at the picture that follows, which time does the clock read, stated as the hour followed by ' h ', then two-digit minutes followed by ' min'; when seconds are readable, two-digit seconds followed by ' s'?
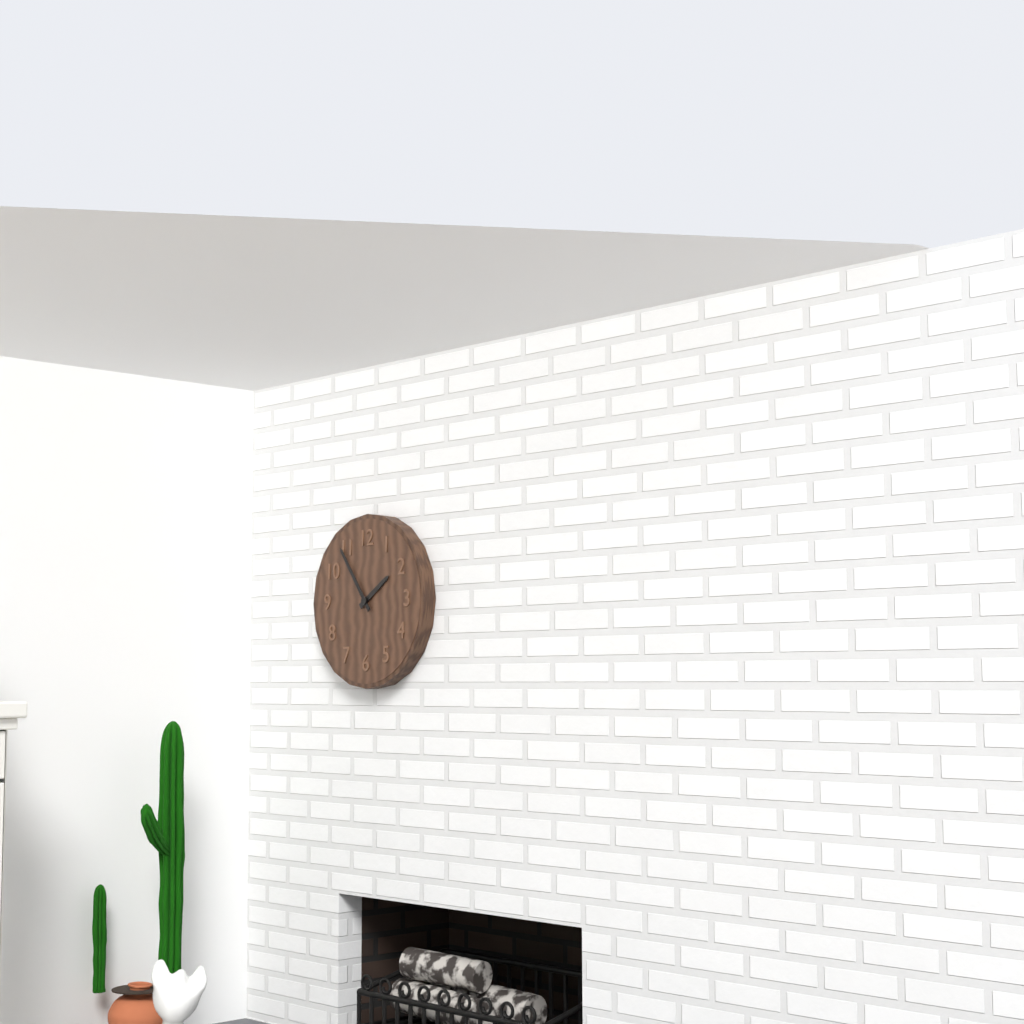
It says 1 h 54 min
